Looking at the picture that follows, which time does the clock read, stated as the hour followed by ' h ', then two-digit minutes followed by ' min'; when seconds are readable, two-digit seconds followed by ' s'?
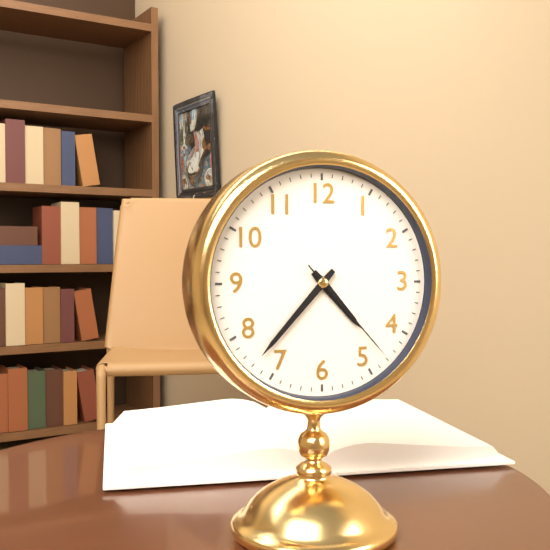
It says 4 h 37 min 23 s
